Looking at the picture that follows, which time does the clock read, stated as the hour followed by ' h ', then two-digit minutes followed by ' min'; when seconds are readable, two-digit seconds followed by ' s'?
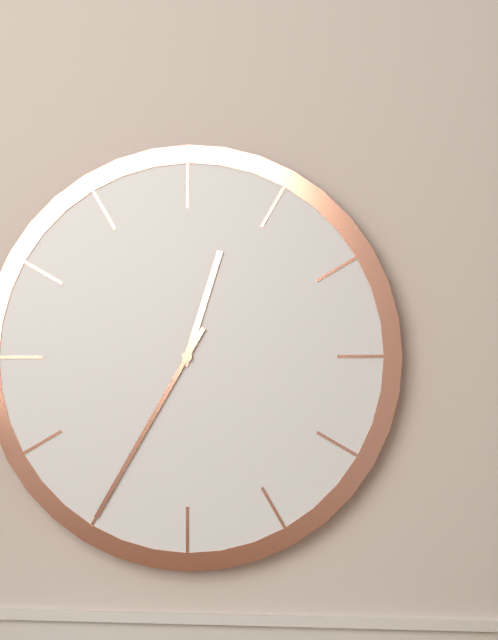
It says 12 h 35 min
